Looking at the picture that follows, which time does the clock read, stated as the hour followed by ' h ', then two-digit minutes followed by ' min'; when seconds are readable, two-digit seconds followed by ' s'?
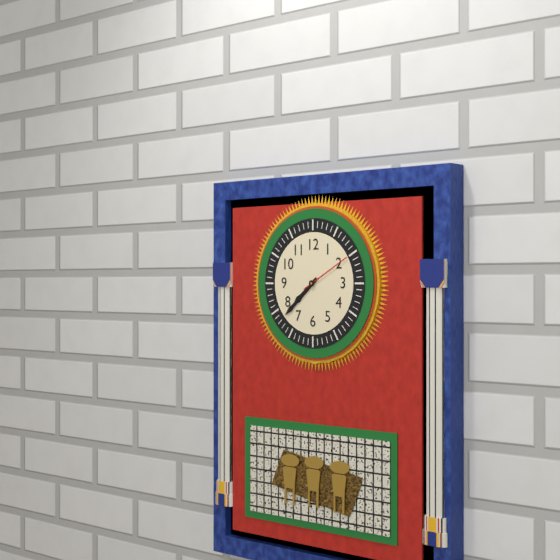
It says 7 h 38 min 10 s
